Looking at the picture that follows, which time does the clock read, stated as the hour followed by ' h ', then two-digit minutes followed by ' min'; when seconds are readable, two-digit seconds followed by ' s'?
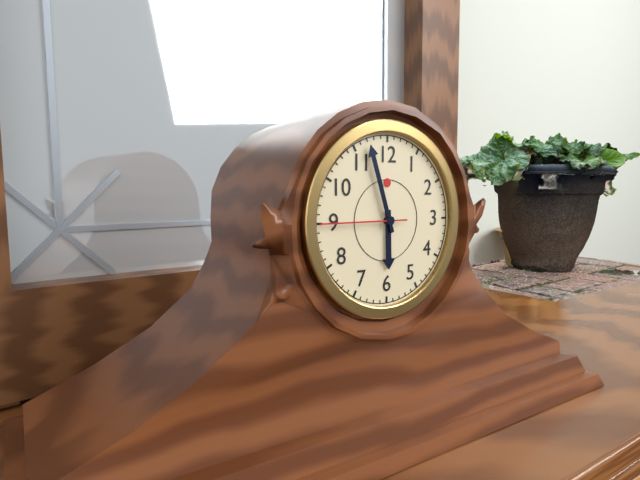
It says 5 h 57 min 45 s
